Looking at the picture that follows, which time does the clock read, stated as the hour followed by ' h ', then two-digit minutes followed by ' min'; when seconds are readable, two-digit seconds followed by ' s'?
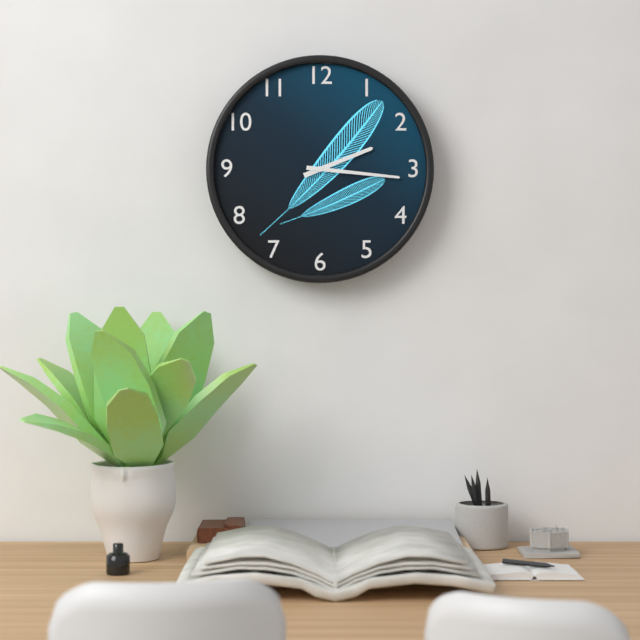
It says 2 h 16 min
